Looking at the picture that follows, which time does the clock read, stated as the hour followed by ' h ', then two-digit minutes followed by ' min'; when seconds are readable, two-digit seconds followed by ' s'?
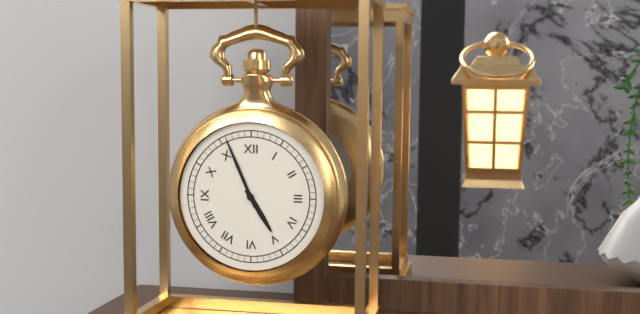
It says 4 h 56 min
